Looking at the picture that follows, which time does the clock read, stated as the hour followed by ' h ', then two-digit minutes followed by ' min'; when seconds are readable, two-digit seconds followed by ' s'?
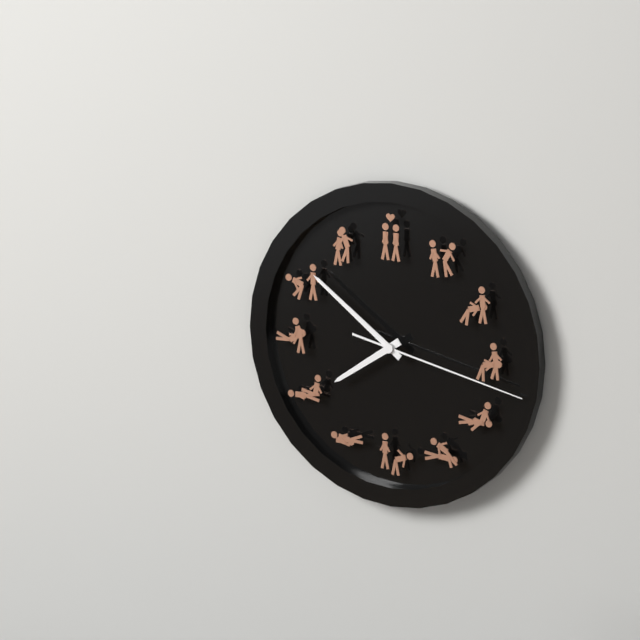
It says 7 h 51 min 17 s
